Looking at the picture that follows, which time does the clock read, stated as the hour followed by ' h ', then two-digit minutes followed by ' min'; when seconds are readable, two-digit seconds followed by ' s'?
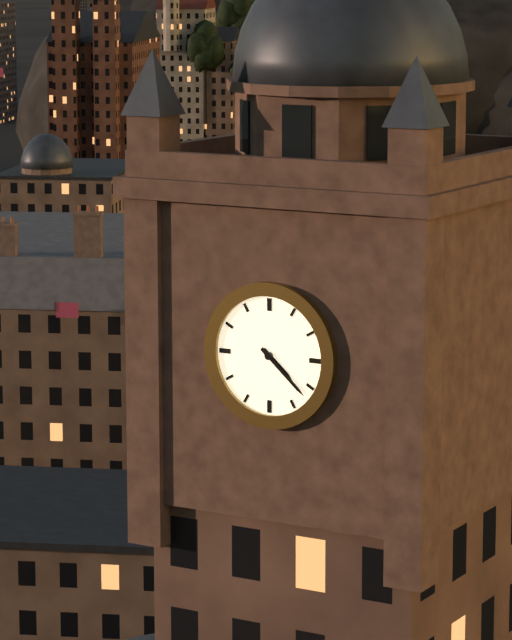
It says 4 h 22 min
